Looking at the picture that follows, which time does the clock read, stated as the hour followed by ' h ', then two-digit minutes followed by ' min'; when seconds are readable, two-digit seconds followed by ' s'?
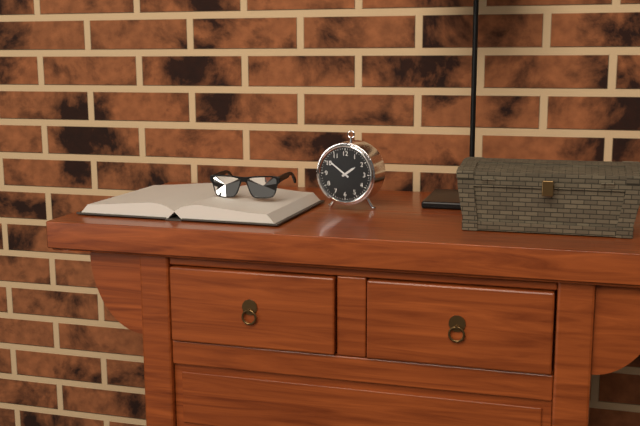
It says 1 h 51 min
